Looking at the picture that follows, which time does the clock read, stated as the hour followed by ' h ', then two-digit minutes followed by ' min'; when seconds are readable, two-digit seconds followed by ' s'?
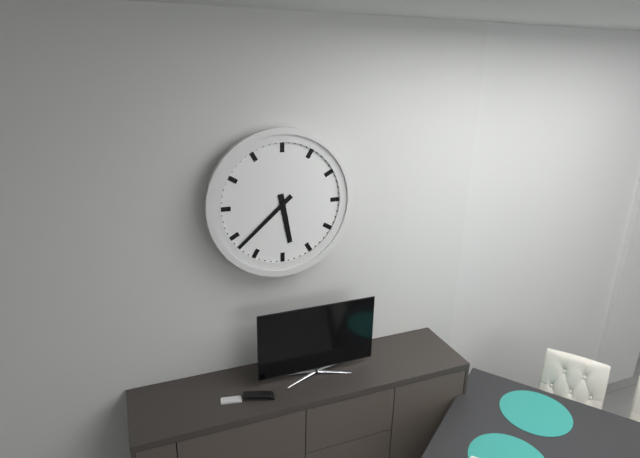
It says 5 h 38 min
